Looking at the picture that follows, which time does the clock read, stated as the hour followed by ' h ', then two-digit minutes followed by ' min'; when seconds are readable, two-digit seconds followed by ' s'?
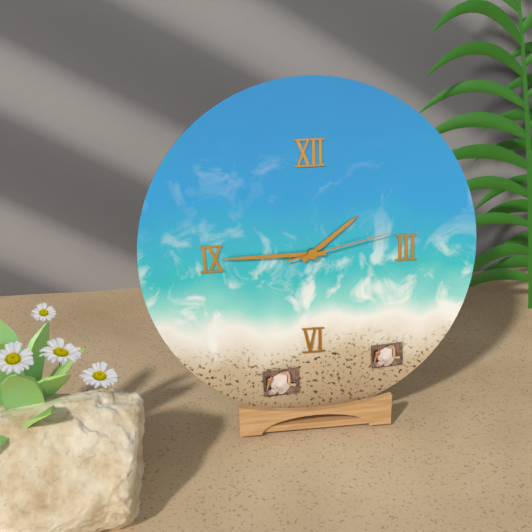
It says 1 h 45 min 13 s
